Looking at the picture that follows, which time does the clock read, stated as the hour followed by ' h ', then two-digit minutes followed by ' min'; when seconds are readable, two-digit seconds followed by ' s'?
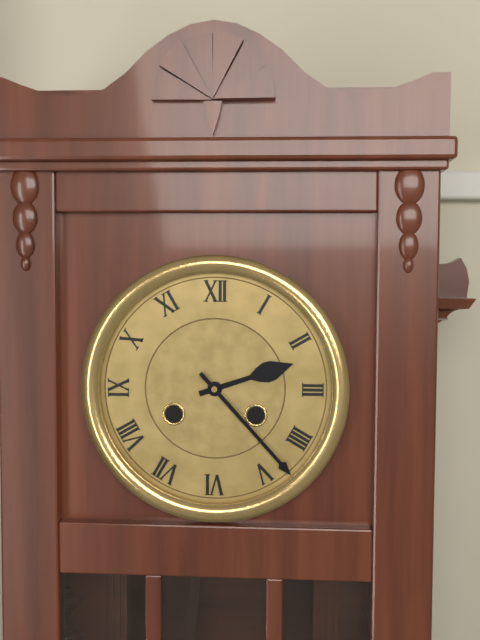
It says 2 h 23 min
